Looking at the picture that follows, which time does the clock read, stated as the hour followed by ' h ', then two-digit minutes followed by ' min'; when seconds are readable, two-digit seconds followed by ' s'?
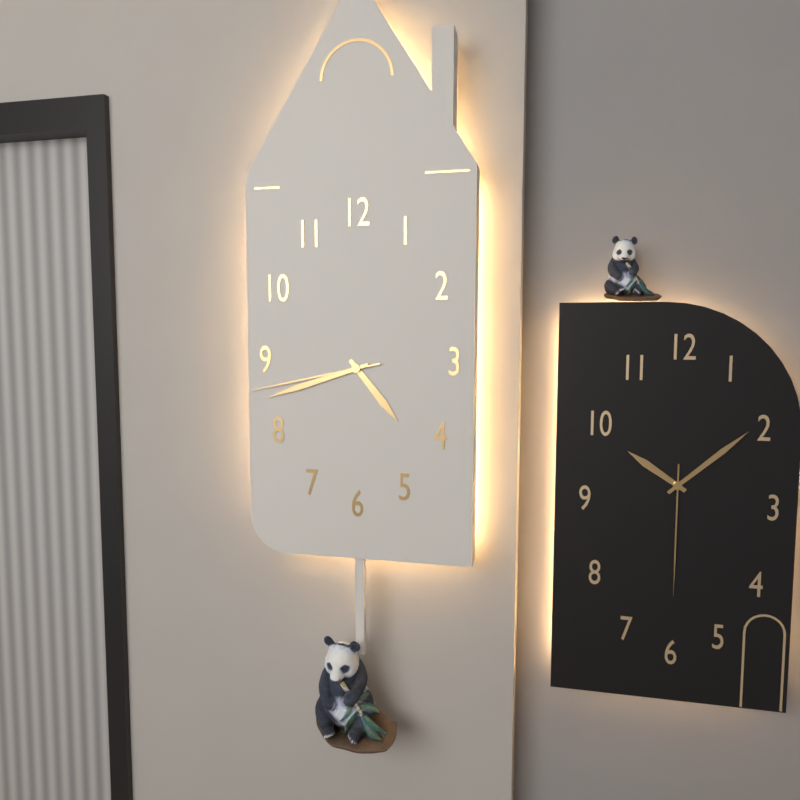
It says 4 h 42 min 43 s
